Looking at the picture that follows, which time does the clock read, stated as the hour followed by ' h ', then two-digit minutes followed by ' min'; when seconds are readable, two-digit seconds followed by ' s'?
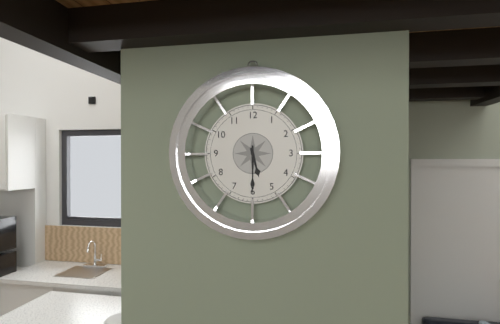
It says 5 h 30 min
